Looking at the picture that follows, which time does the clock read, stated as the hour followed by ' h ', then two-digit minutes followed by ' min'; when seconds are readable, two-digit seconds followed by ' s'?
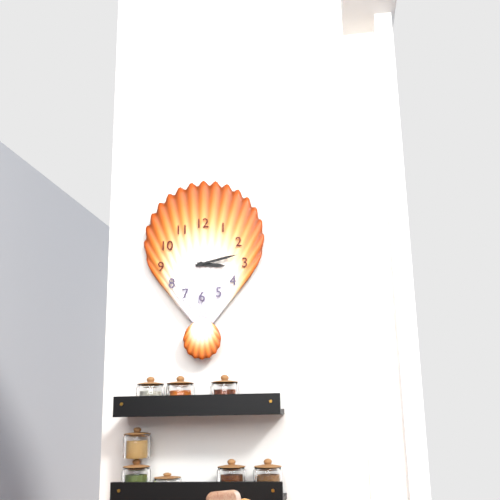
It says 3 h 13 min
